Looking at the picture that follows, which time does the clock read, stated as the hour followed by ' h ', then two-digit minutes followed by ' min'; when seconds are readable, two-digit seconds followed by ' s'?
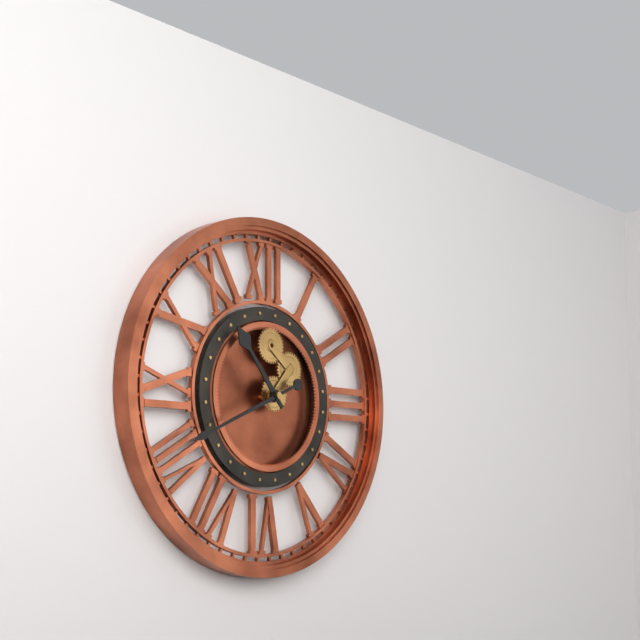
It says 10 h 41 min
